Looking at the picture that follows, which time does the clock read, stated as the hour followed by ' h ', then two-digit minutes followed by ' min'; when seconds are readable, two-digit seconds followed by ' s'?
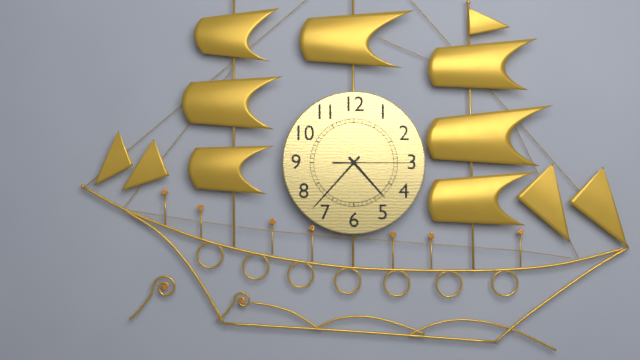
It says 4 h 37 min 15 s
